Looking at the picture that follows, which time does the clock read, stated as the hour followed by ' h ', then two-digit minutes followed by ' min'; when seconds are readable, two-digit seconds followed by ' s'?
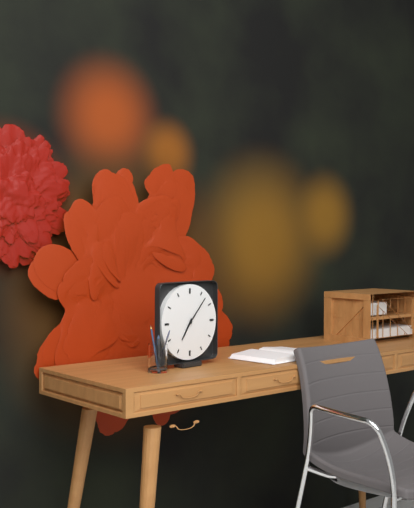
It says 7 h 07 min
